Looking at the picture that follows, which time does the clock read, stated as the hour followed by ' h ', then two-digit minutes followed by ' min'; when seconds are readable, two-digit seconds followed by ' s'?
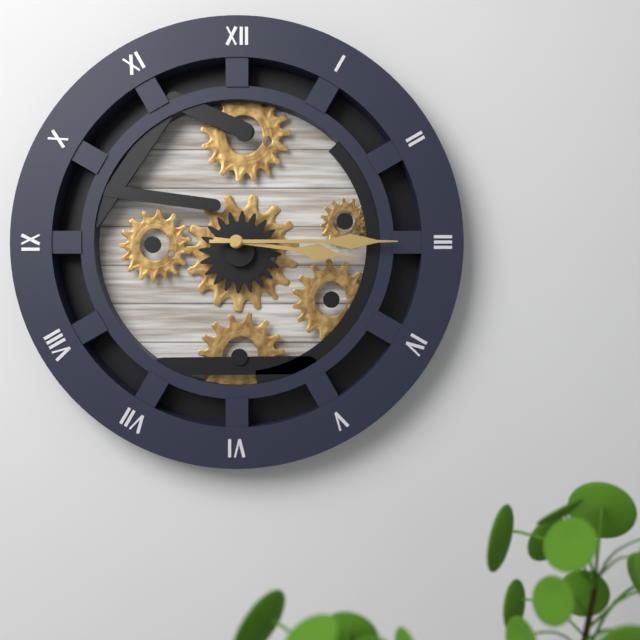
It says 3 h 15 min
